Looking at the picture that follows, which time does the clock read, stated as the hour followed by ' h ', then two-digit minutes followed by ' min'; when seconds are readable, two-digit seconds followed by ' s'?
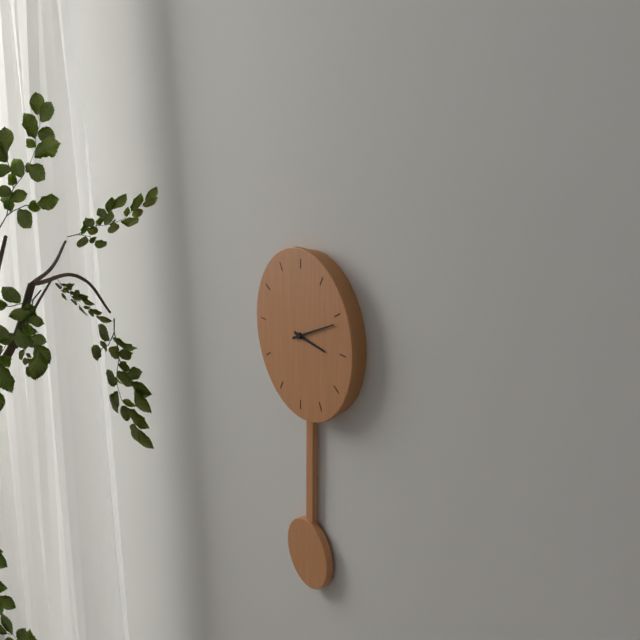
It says 3 h 11 min
